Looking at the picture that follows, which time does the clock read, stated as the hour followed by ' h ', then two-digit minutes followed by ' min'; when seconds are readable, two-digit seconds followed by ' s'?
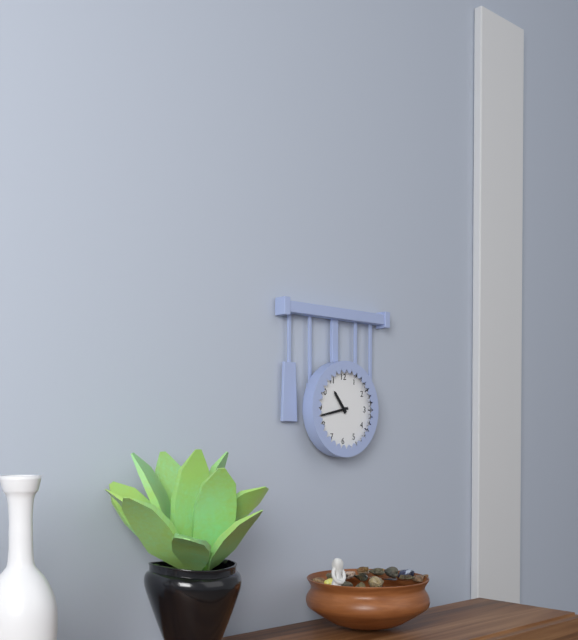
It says 10 h 43 min
